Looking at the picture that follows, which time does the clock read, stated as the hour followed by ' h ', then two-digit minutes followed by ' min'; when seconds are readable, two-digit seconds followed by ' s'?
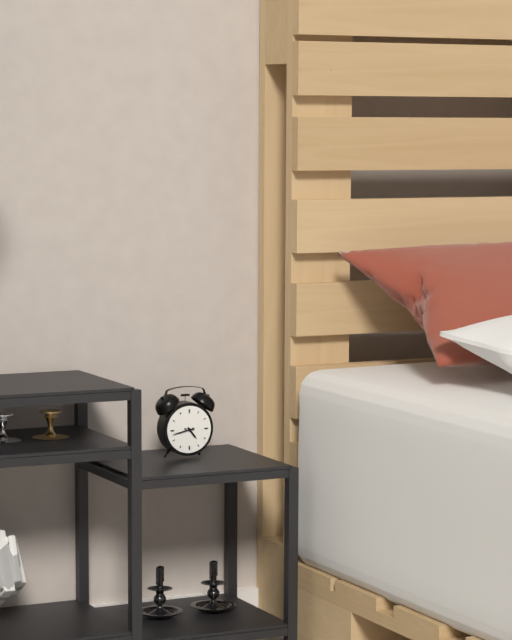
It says 4 h 43 min
